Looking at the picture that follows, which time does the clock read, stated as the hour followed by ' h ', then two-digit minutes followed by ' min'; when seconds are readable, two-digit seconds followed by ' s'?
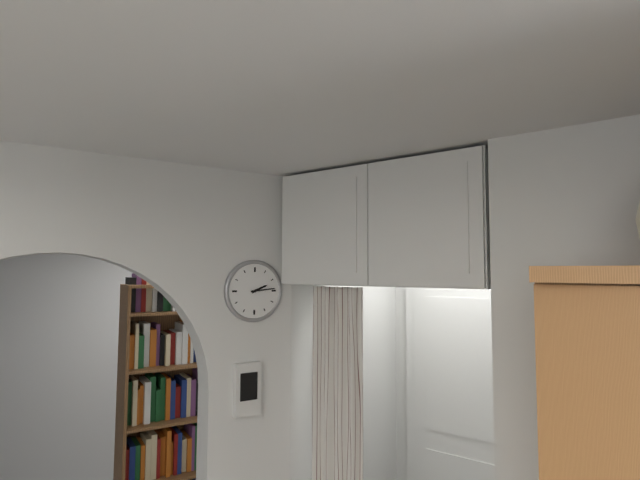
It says 2 h 14 min
